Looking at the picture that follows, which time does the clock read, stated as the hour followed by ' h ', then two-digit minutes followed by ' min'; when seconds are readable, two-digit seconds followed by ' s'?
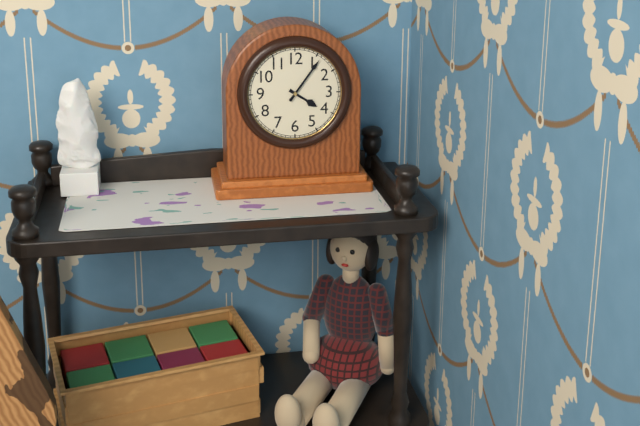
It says 4 h 06 min
